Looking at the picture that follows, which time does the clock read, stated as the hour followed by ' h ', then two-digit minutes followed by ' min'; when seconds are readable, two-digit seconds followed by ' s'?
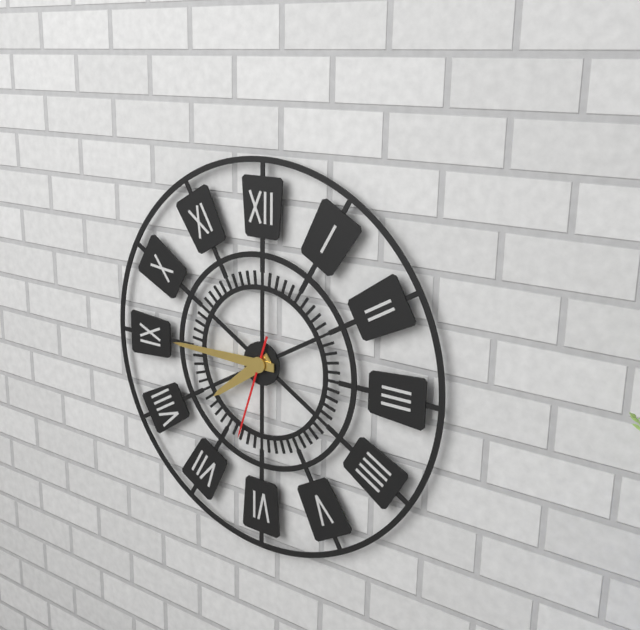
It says 7 h 45 min 33 s
